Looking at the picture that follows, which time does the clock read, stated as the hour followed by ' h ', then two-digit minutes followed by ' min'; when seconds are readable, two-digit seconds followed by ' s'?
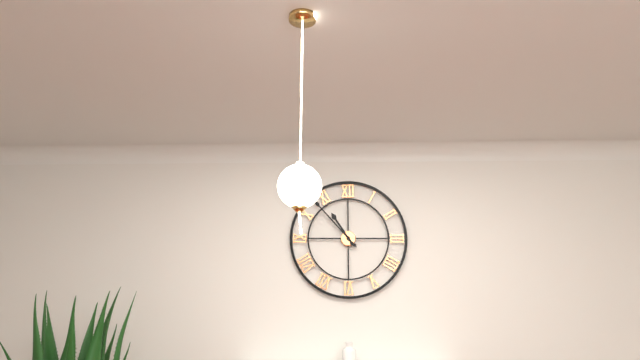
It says 10 h 53 min
